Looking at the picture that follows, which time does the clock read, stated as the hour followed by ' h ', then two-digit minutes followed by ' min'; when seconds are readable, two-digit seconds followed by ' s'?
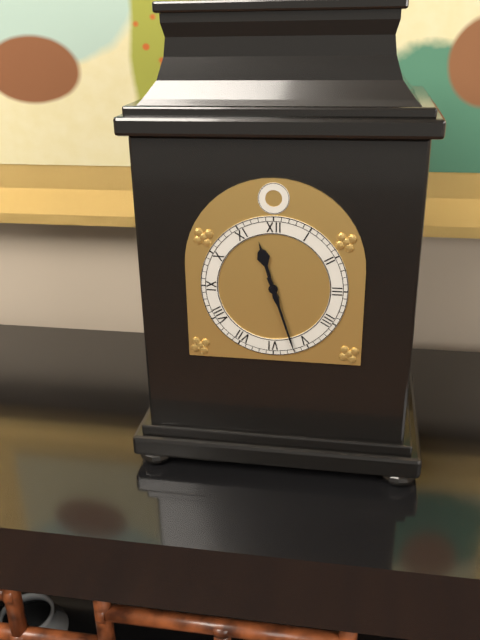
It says 11 h 27 min
